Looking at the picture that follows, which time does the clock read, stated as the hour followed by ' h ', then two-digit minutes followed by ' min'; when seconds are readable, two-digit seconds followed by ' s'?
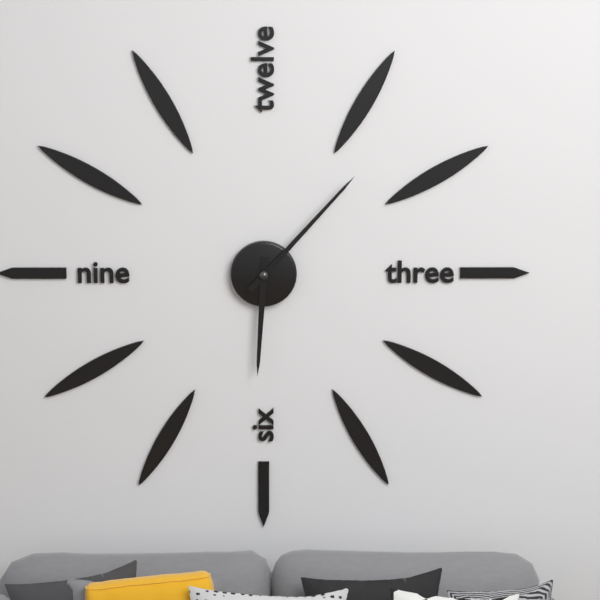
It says 6 h 07 min
